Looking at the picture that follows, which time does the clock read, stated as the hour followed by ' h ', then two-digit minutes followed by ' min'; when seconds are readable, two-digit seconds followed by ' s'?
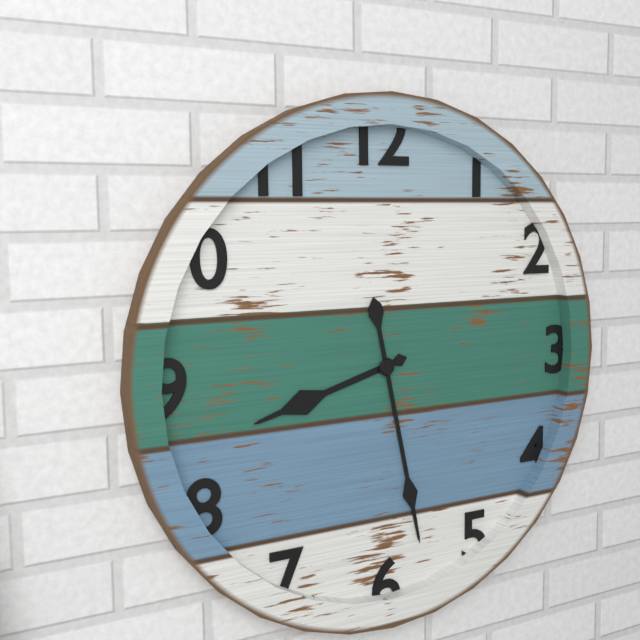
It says 8 h 28 min
